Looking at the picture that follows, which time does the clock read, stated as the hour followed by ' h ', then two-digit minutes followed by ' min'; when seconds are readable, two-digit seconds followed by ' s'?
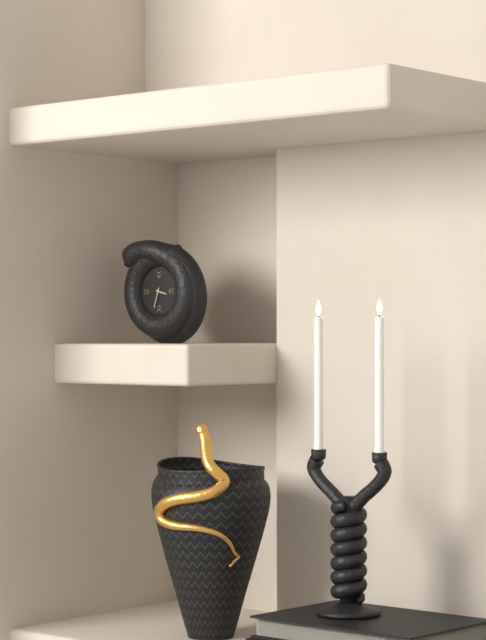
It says 3 h 33 min
